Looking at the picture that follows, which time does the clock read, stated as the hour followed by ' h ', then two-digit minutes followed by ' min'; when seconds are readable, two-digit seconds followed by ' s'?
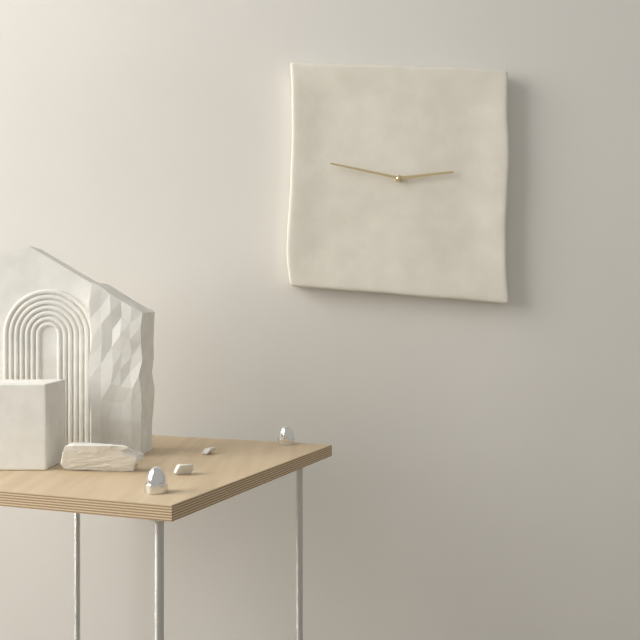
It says 2 h 47 min
